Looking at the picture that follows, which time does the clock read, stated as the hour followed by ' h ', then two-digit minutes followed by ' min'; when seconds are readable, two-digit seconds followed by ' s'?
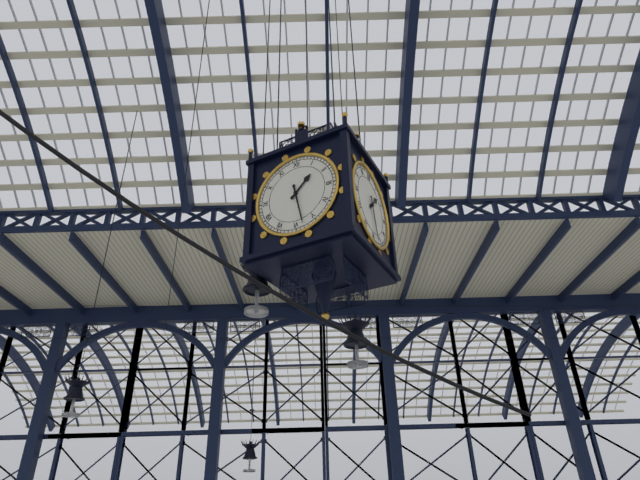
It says 1 h 28 min
